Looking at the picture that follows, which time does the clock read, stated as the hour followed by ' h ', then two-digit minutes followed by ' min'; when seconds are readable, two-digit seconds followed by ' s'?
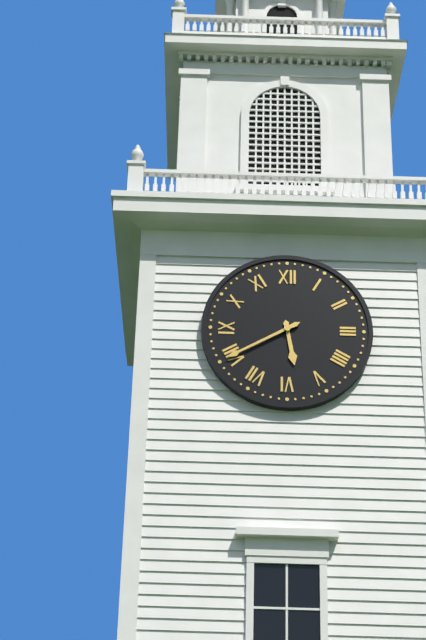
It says 5 h 40 min
